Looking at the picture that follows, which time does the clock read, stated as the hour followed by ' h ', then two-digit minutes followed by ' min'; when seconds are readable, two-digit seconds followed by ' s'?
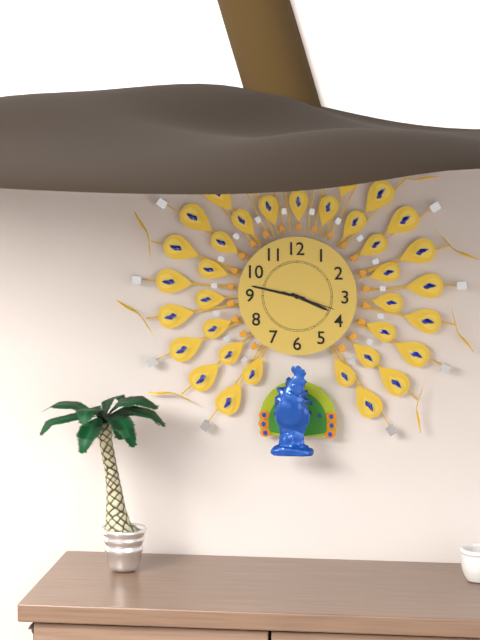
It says 3 h 47 min
